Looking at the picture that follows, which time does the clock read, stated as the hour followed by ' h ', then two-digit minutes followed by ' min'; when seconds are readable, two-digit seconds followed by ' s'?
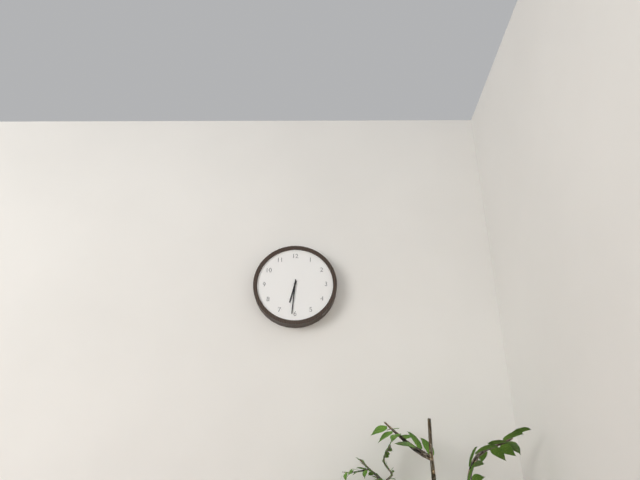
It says 6 h 31 min
